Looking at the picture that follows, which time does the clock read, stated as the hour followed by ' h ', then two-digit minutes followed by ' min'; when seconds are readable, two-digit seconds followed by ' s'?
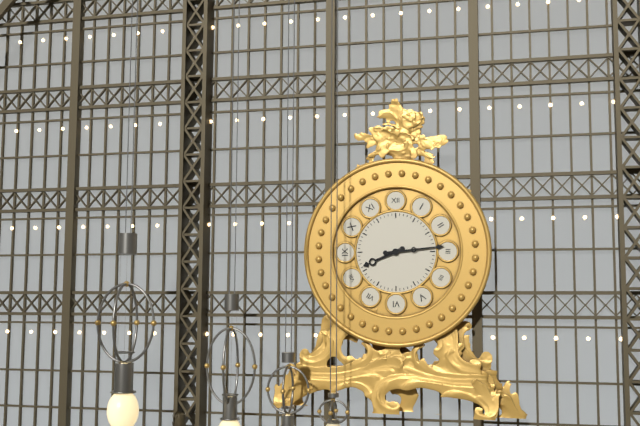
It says 8 h 14 min
